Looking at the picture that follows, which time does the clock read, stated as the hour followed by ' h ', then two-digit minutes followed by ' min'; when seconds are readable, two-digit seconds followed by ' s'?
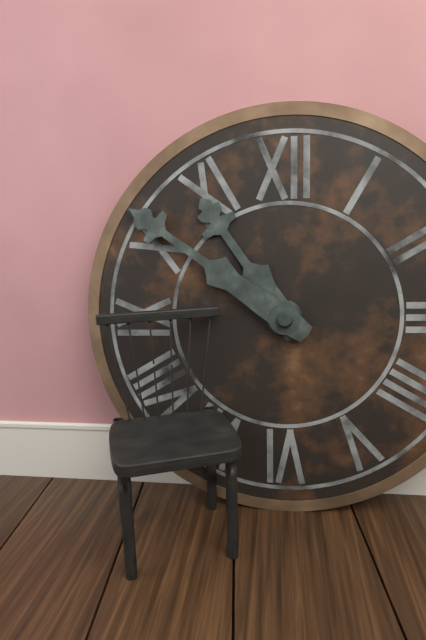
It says 10 h 51 min
